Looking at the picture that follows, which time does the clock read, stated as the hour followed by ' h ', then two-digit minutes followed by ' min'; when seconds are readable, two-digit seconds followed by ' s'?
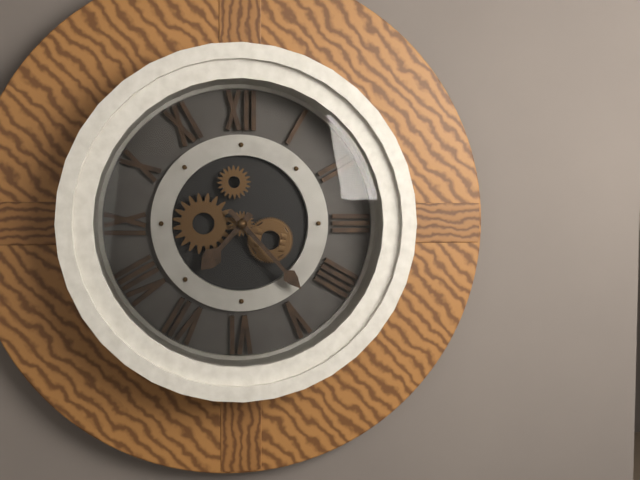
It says 7 h 23 min
